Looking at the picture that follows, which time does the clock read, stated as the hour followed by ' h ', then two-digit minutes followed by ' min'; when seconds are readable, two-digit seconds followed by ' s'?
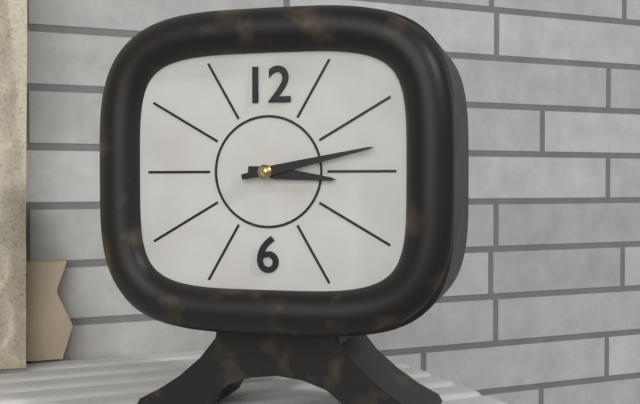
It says 3 h 13 min
